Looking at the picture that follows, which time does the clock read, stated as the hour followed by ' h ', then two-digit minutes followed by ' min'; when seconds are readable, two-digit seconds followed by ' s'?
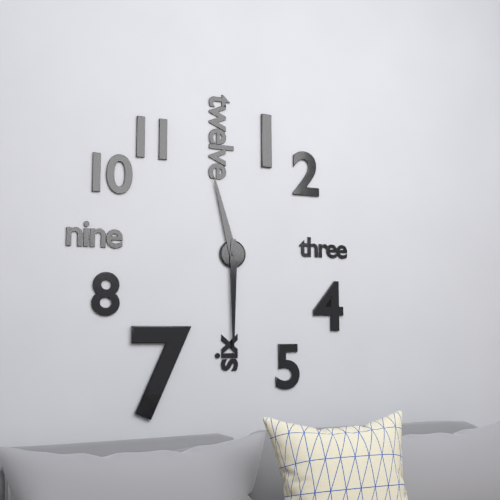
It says 11 h 30 min
